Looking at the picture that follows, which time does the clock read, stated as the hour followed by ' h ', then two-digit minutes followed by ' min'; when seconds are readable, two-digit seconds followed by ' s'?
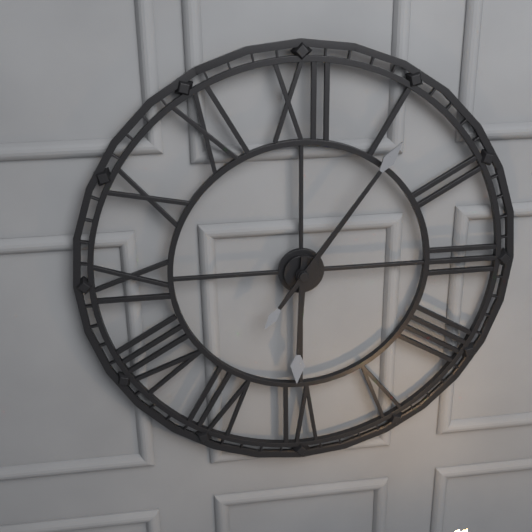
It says 6 h 06 min
